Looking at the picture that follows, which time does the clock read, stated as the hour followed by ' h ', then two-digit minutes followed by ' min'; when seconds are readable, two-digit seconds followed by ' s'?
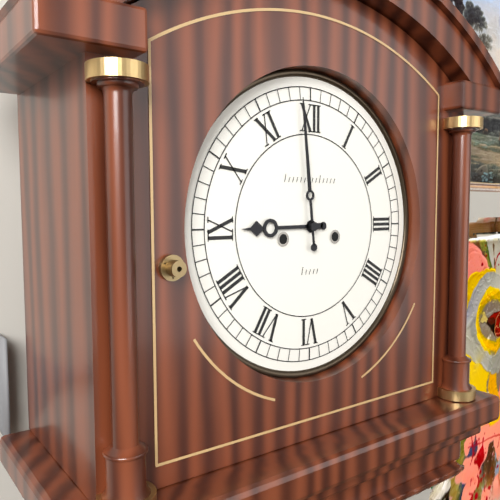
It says 8 h 59 min
